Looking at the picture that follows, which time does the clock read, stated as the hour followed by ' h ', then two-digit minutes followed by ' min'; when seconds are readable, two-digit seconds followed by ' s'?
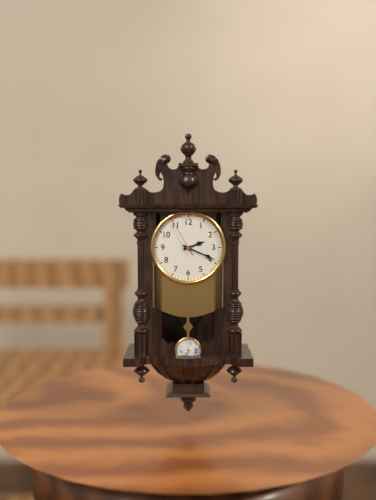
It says 2 h 19 min
